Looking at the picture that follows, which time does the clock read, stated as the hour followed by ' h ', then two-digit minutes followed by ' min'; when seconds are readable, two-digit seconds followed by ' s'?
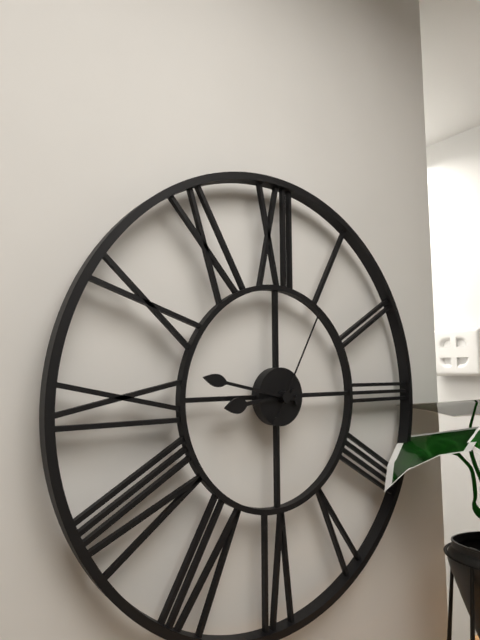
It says 8 h 47 min 05 s
